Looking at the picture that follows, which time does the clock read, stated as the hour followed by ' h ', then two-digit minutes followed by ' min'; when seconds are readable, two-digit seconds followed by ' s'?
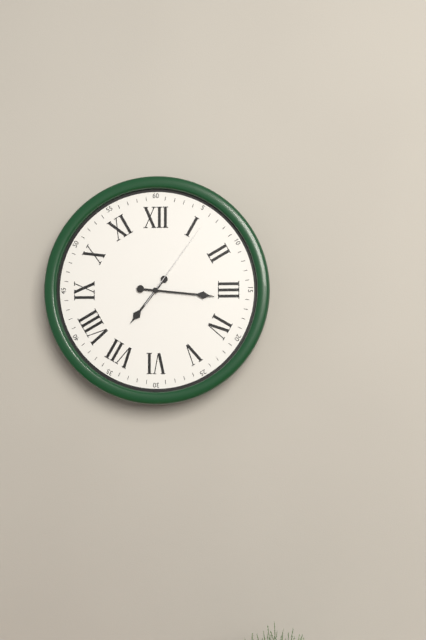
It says 7 h 16 min 06 s
